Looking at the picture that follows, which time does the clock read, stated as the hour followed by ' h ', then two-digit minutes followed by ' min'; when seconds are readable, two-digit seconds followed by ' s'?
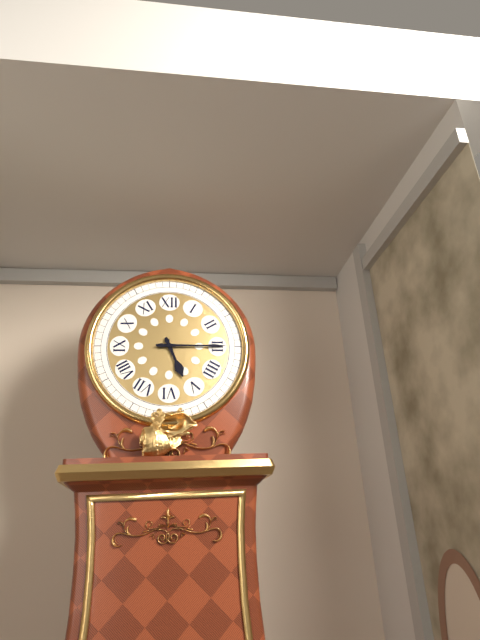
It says 5 h 15 min
